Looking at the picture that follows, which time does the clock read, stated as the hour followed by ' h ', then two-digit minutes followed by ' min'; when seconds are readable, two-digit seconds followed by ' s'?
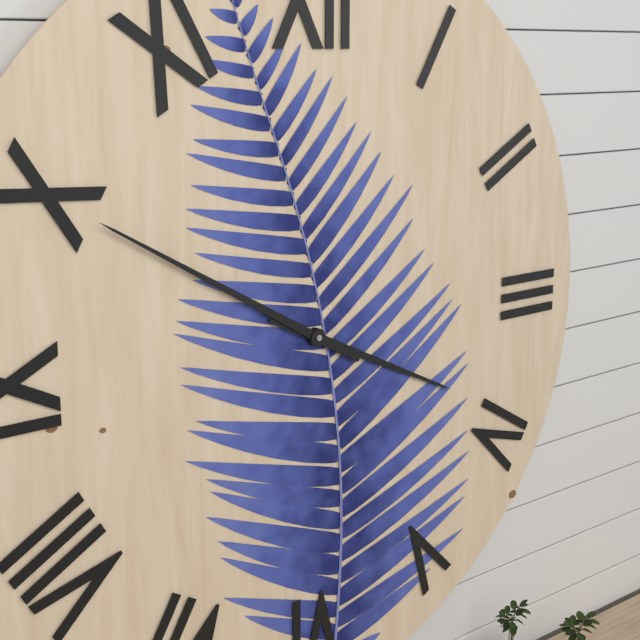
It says 3 h 50 min
